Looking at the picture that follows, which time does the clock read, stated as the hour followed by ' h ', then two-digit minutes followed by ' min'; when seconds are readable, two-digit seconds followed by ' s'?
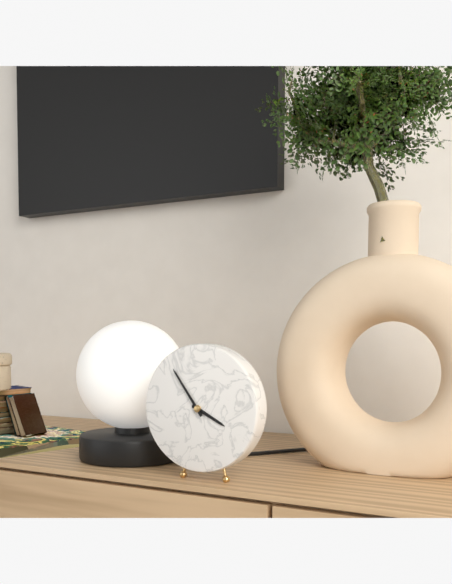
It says 3 h 54 min
